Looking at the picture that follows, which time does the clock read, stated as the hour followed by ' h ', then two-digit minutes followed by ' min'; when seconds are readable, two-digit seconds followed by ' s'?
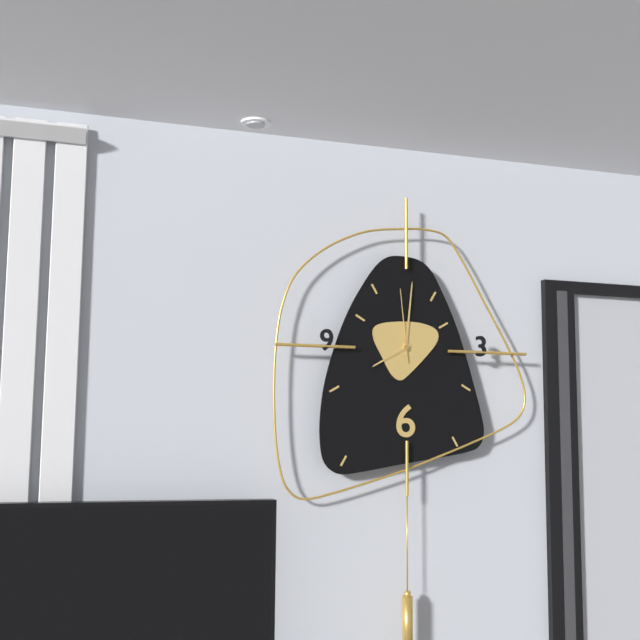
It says 8 h 01 min 59 s
